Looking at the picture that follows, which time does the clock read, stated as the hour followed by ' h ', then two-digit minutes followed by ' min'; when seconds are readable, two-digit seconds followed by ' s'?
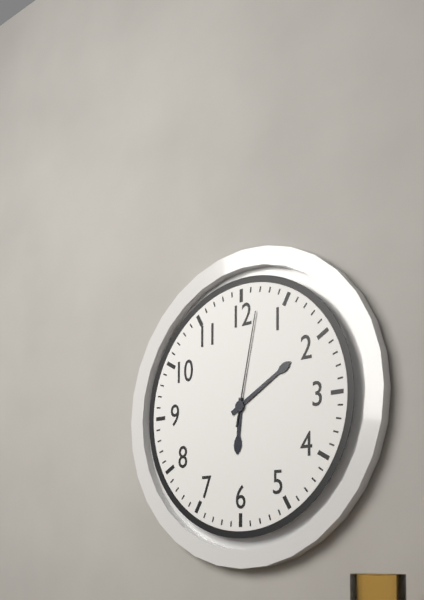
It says 6 h 10 min 02 s
